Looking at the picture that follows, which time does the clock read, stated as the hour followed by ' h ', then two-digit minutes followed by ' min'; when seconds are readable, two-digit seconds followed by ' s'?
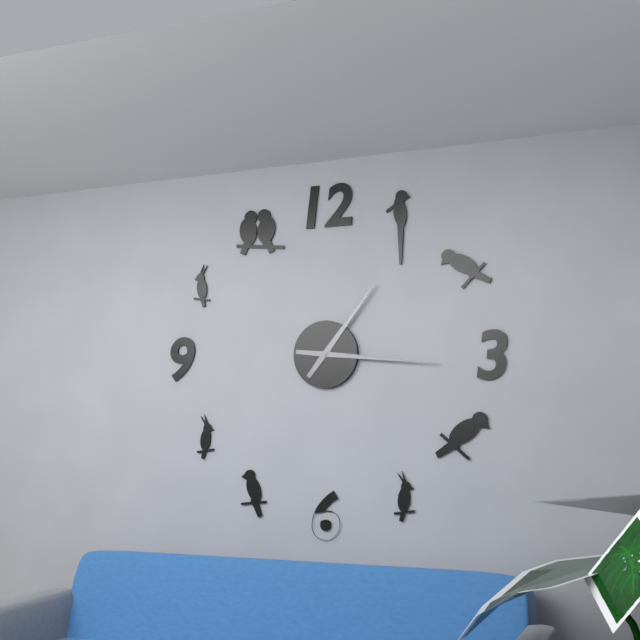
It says 1 h 16 min
